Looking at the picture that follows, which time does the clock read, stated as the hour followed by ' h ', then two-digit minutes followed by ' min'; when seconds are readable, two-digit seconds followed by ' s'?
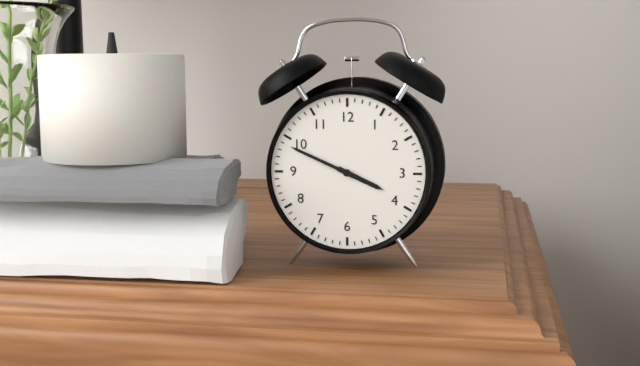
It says 3 h 49 min
